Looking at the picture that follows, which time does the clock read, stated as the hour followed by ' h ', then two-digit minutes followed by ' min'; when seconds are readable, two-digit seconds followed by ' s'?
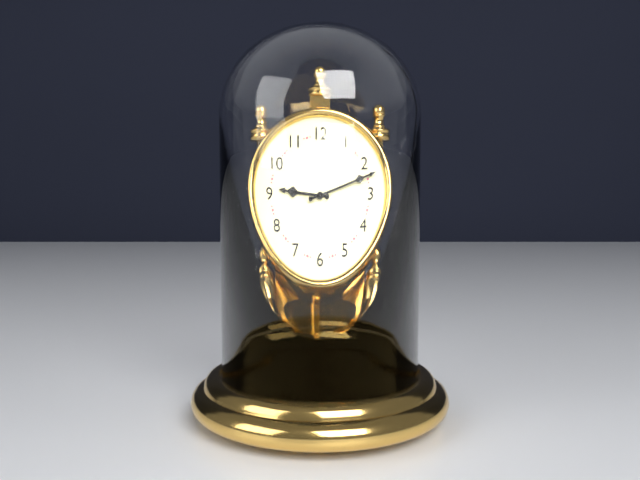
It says 9 h 12 min
